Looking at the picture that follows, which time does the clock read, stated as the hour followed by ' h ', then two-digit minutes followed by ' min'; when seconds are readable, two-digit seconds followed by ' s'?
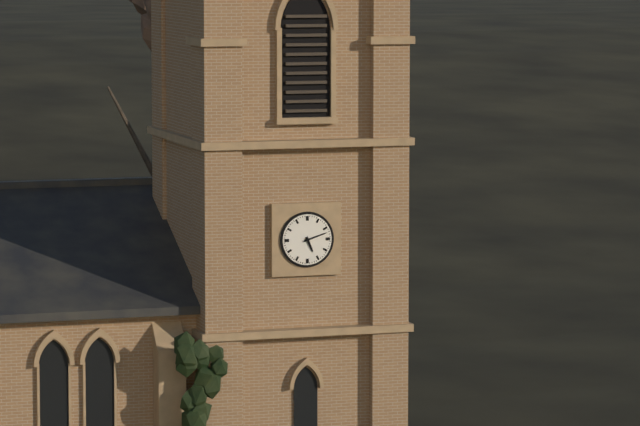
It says 5 h 12 min
